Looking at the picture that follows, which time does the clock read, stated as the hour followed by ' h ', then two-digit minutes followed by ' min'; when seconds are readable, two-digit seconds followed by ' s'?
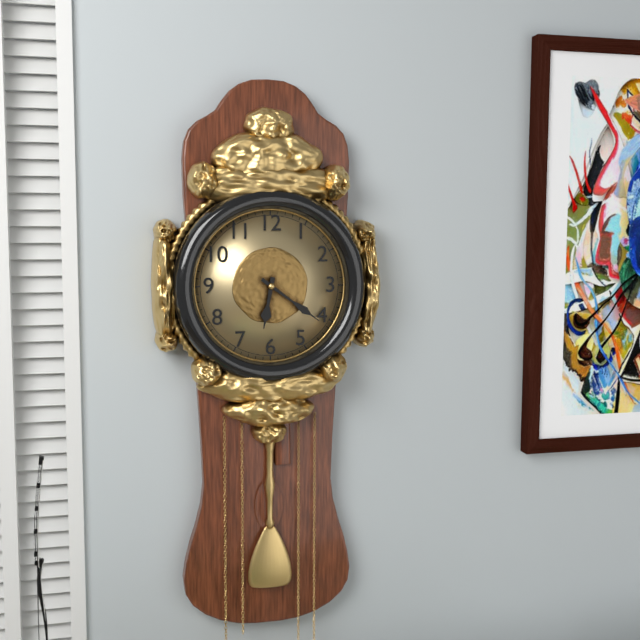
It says 6 h 21 min
